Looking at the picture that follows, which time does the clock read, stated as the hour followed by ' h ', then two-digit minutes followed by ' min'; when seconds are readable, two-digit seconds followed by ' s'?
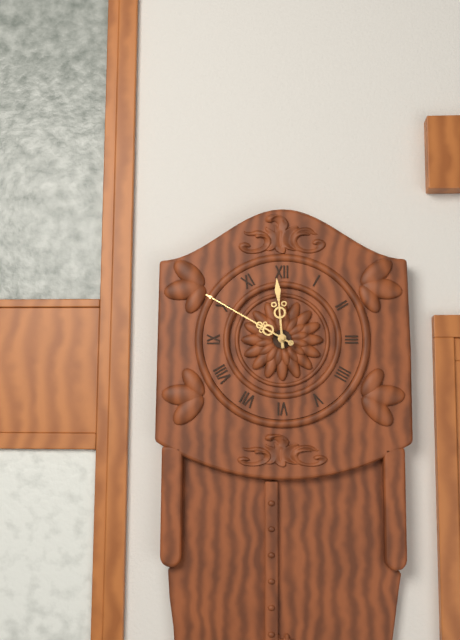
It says 11 h 50 min
